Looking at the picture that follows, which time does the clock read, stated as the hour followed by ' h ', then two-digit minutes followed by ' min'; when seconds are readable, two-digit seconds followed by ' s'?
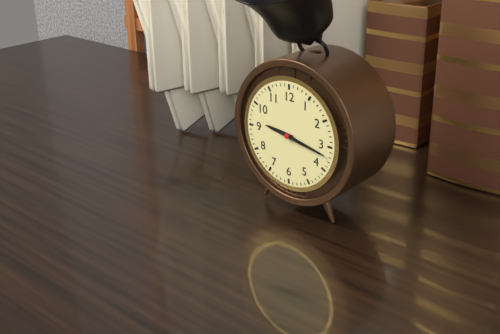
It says 9 h 17 min
